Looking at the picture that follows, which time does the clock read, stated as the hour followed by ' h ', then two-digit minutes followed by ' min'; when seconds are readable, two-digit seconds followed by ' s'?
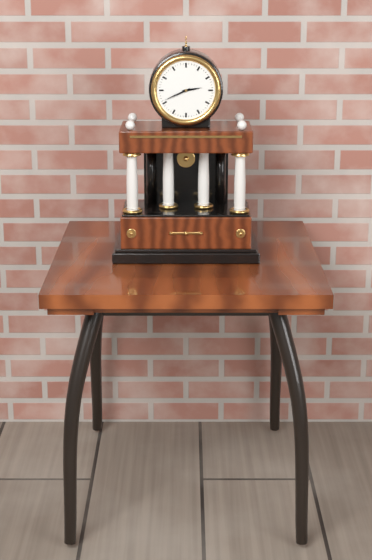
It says 2 h 41 min
